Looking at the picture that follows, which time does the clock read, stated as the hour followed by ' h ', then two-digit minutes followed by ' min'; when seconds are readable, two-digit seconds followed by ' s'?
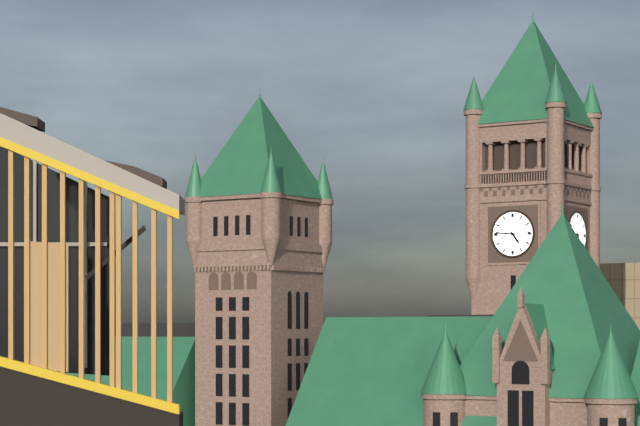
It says 4 h 46 min
